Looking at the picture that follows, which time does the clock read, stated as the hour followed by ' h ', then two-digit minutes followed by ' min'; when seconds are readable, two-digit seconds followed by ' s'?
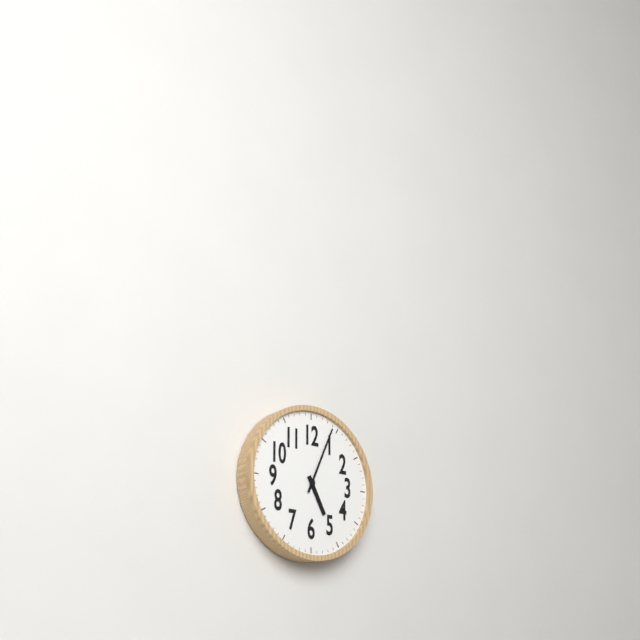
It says 5 h 04 min
